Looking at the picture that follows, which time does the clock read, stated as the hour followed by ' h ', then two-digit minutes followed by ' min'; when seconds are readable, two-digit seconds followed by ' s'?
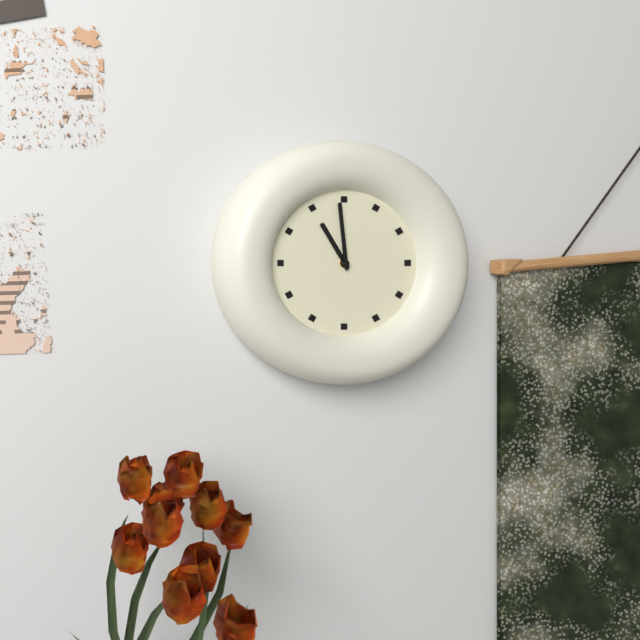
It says 10 h 59 min
